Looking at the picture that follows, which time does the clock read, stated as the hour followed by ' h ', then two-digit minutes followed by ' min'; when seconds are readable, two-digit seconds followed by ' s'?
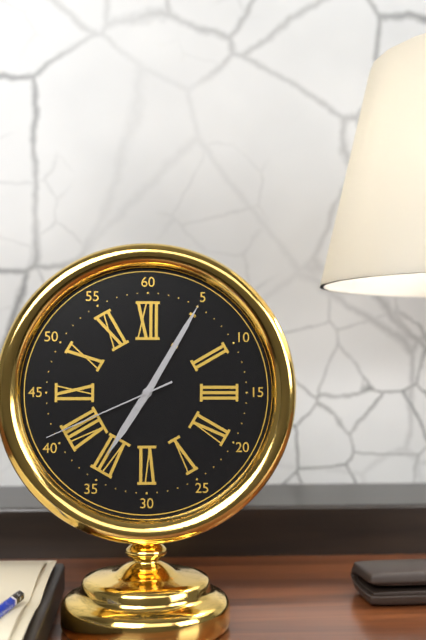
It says 7 h 05 min 41 s
